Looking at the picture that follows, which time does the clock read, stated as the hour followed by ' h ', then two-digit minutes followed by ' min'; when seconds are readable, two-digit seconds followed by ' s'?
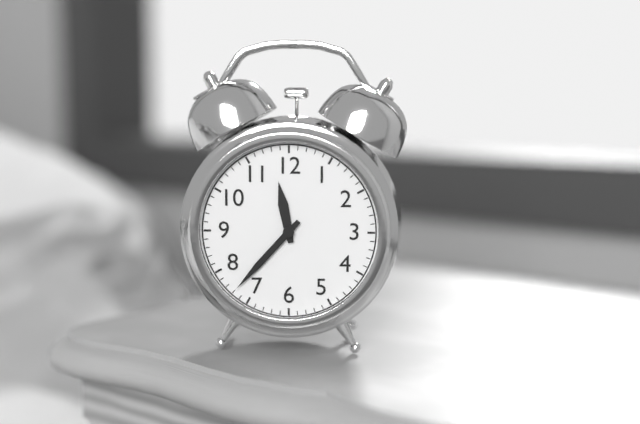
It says 11 h 37 min
